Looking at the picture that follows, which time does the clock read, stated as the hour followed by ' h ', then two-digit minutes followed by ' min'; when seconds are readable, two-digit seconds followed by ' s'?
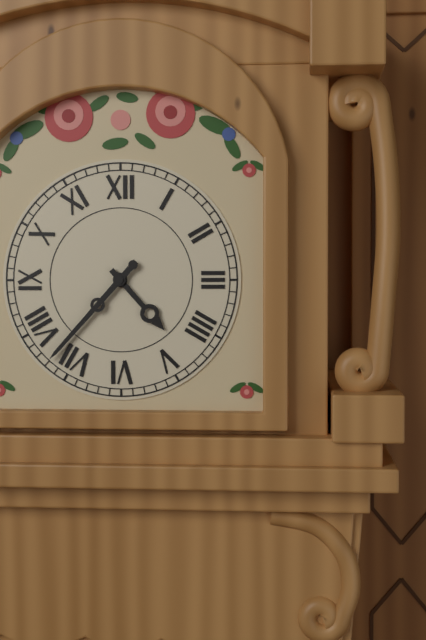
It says 4 h 37 min
